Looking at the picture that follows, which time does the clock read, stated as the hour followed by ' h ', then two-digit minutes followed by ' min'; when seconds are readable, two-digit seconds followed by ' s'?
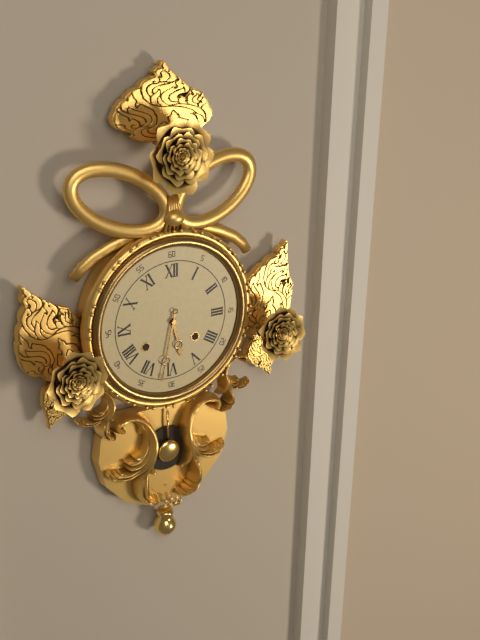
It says 5 h 32 min
